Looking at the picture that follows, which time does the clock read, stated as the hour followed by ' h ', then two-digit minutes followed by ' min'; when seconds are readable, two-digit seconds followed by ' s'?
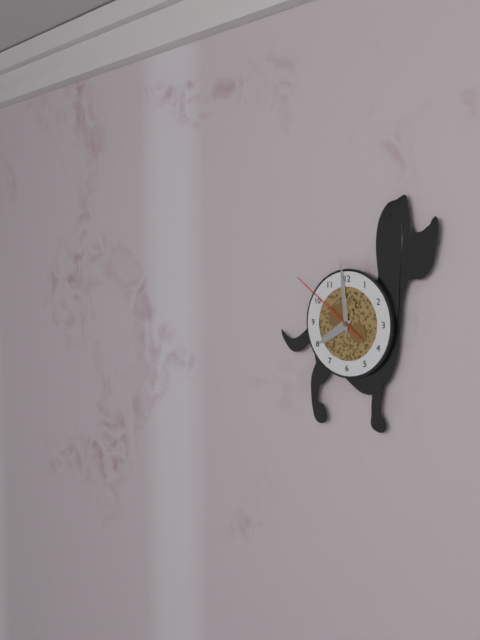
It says 7 h 59 min 51 s
